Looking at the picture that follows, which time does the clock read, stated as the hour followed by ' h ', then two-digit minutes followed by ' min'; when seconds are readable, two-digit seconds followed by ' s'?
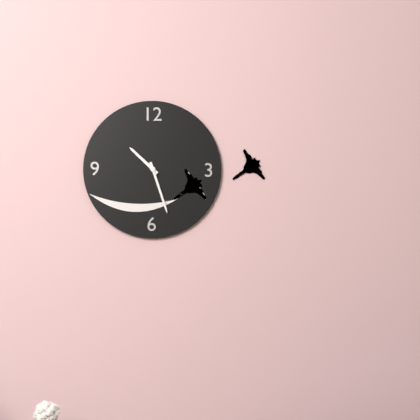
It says 10 h 27 min
